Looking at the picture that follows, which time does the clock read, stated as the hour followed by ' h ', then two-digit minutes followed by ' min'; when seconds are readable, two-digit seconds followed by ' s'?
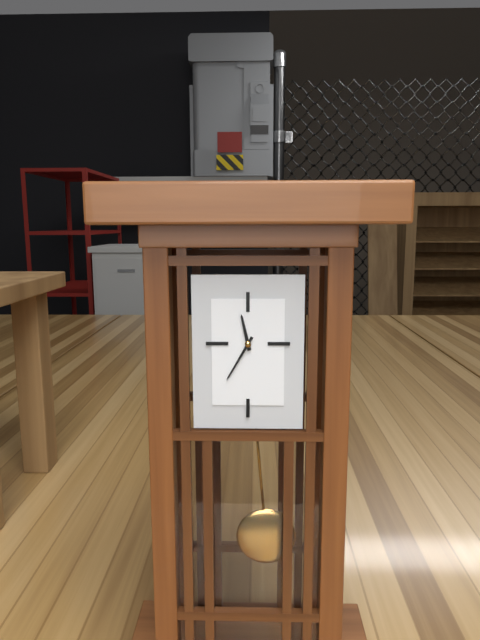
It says 11 h 35 min
